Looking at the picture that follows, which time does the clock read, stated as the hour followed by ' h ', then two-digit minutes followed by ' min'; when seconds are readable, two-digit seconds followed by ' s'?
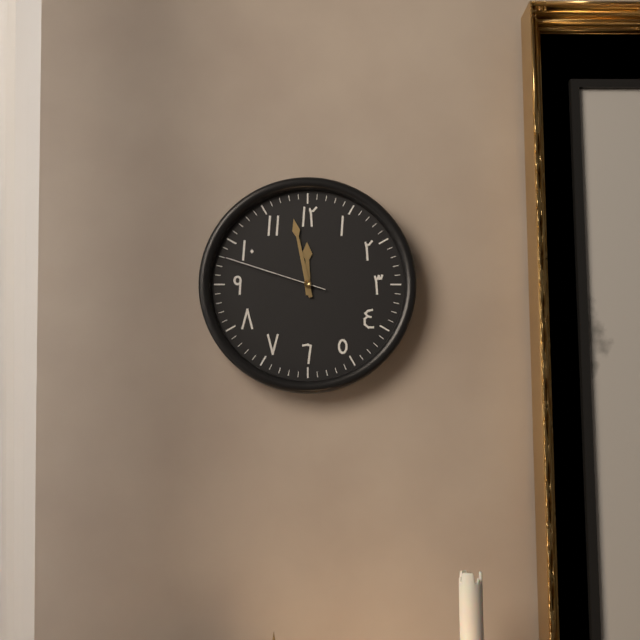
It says 11 h 58 min 48 s
